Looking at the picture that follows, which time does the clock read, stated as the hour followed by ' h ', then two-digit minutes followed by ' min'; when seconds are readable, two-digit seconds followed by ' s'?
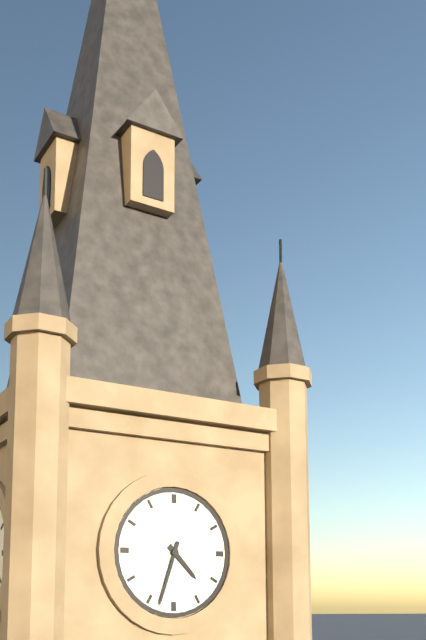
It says 4 h 33 min
